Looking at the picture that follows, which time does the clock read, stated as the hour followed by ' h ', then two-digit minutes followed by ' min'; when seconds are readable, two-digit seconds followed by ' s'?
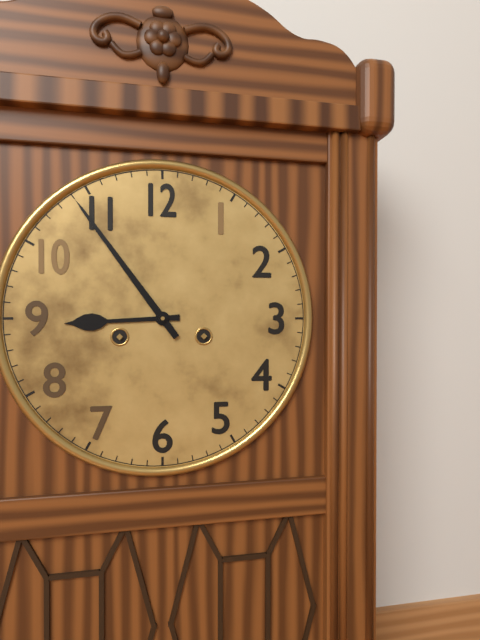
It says 8 h 54 min
